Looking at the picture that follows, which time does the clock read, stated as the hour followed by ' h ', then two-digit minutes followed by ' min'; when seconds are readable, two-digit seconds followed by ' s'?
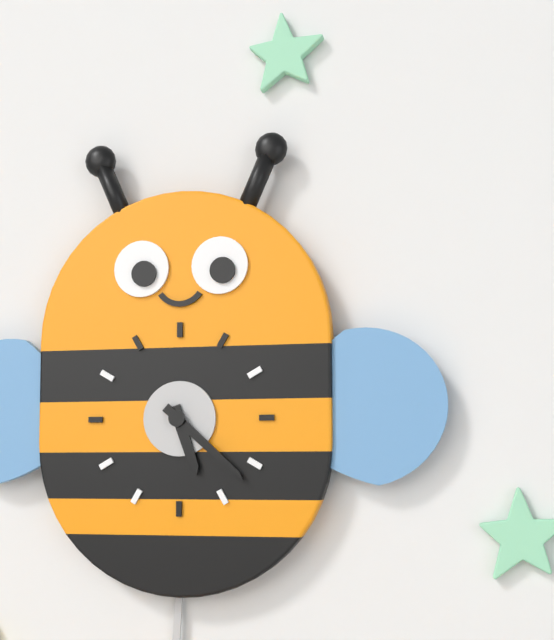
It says 5 h 22 min
